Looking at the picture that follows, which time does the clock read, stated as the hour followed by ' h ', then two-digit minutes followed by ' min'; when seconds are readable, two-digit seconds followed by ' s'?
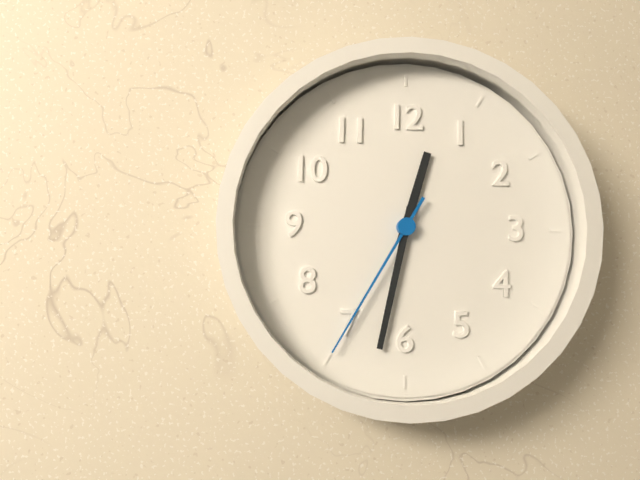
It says 12 h 32 min 35 s
